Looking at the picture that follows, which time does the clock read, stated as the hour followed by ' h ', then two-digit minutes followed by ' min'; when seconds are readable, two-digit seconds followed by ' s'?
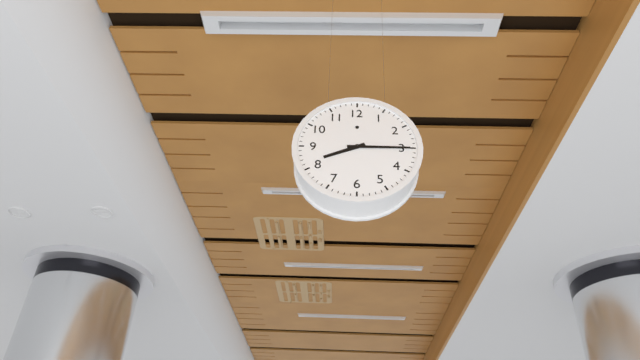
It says 8 h 15 min
